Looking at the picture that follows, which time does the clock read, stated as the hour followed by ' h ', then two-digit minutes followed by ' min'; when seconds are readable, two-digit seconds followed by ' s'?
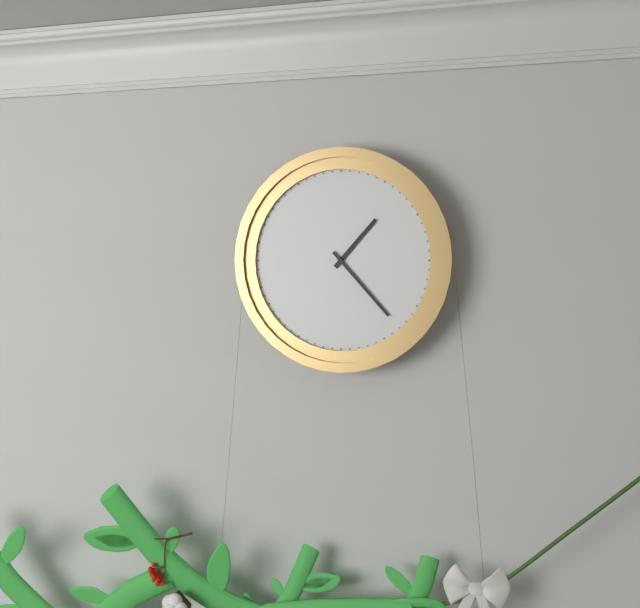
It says 1 h 23 min
